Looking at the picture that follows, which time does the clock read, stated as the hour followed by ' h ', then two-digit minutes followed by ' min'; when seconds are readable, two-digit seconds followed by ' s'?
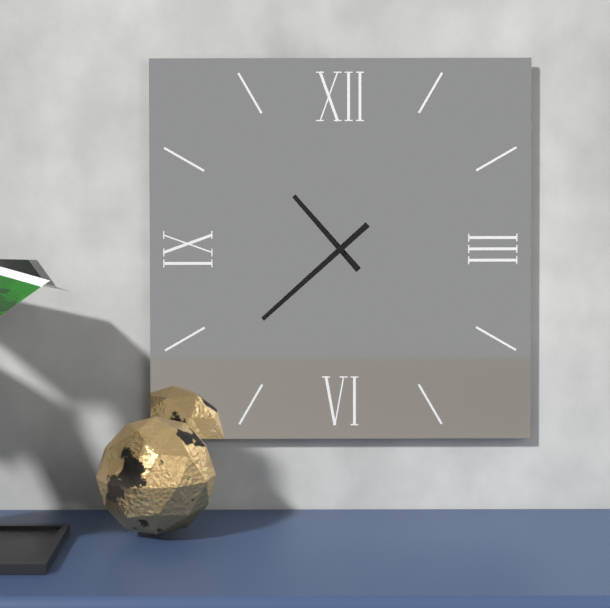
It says 10 h 38 min
